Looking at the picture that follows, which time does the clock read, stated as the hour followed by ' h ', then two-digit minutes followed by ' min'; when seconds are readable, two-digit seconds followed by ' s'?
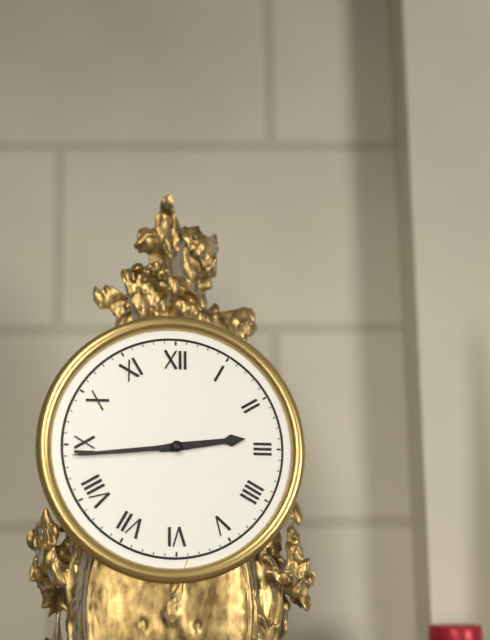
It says 2 h 44 min
